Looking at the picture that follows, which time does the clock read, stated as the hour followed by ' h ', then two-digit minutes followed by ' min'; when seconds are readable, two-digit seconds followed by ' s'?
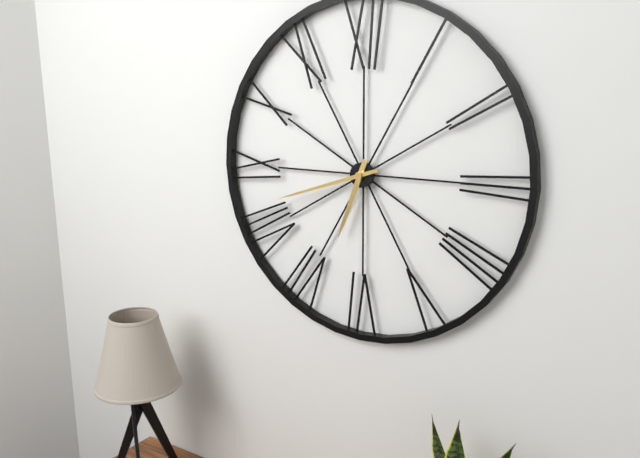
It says 6 h 42 min
